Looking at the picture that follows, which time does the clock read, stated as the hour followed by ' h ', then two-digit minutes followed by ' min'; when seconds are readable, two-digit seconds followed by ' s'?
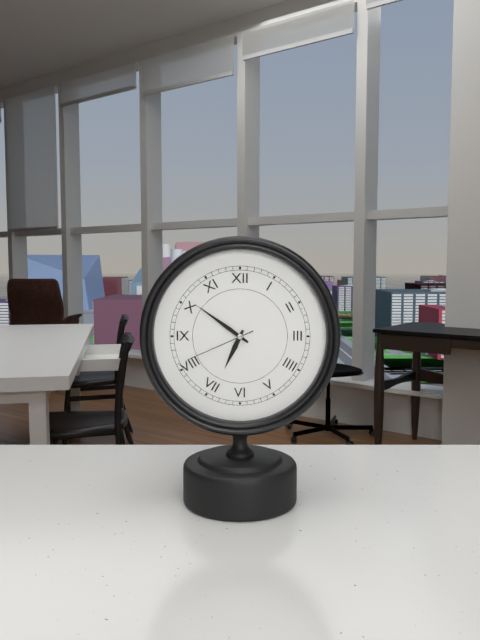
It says 6 h 51 min 41 s
